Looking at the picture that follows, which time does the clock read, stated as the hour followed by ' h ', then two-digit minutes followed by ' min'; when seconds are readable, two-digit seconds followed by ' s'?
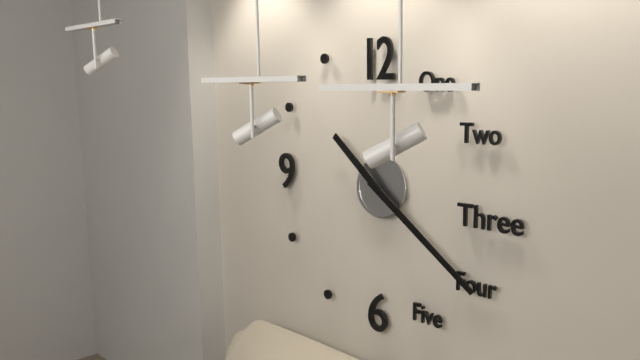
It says 10 h 21 min
